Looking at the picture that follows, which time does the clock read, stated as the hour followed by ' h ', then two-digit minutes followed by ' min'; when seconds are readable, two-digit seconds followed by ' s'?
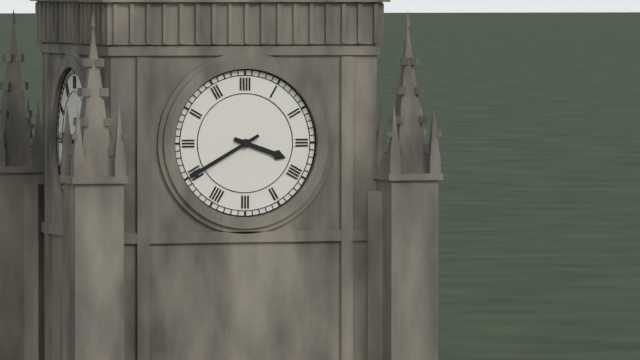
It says 3 h 40 min
